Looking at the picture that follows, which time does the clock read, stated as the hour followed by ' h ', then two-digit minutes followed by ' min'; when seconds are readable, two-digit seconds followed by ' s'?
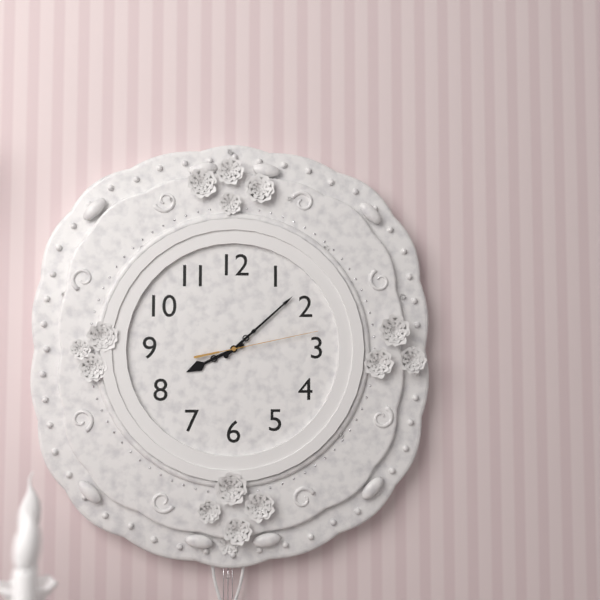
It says 8 h 08 min 13 s
